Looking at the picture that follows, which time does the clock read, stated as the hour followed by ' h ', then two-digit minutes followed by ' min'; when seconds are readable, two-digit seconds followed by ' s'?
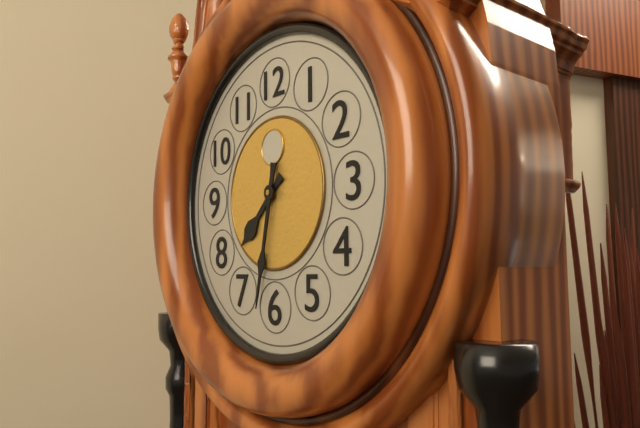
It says 7 h 32 min
